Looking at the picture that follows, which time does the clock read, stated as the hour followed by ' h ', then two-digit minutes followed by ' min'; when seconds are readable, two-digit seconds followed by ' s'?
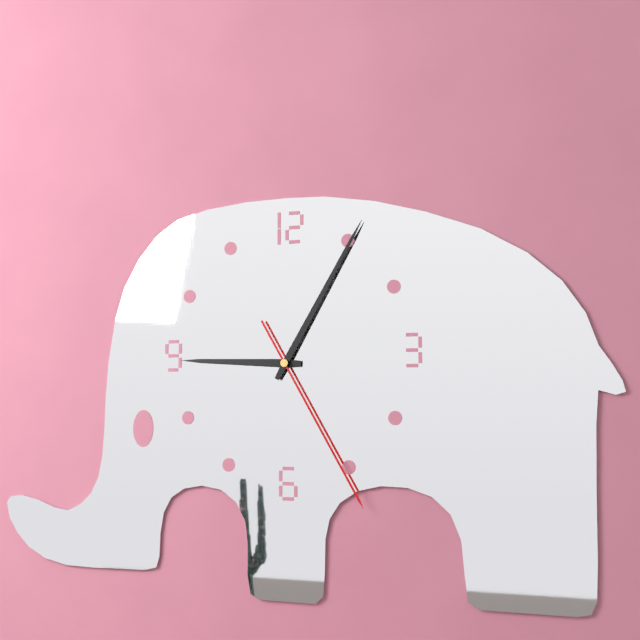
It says 9 h 05 min 25 s
